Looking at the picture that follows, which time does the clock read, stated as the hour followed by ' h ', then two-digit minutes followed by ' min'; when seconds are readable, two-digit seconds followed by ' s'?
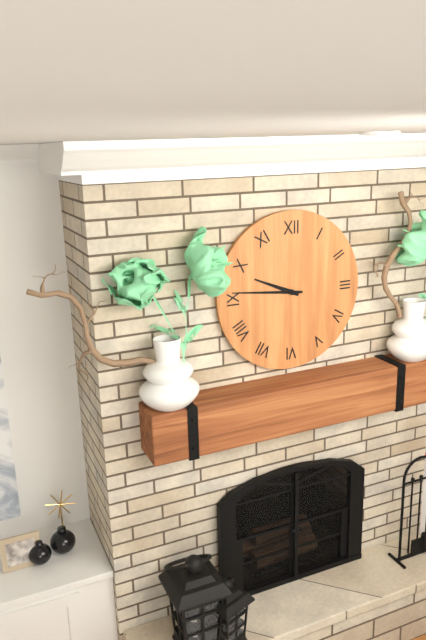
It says 9 h 46 min
